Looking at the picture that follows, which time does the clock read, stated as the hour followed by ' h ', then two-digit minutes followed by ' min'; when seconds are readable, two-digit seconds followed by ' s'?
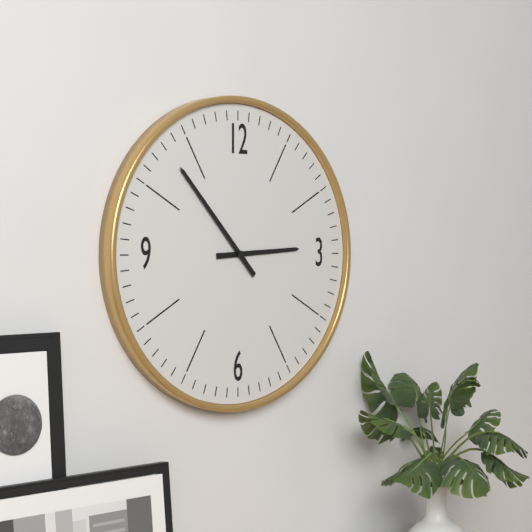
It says 2 h 53 min
